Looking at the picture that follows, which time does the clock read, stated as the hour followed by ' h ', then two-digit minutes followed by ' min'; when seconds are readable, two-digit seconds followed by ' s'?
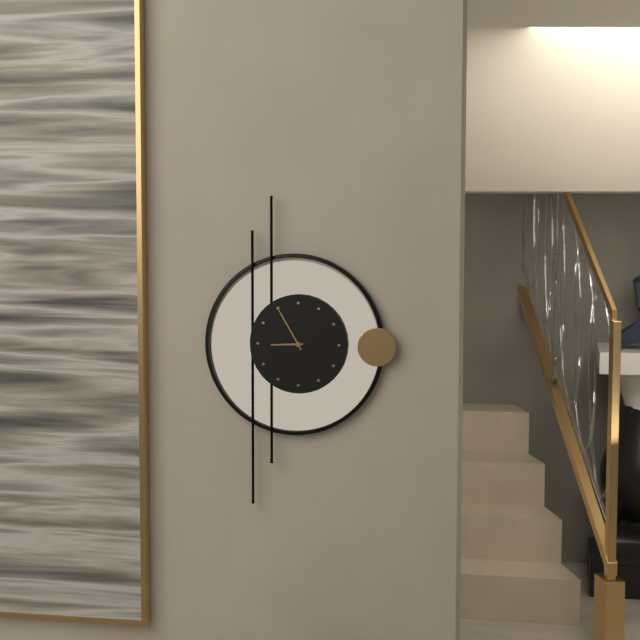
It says 8 h 55 min
